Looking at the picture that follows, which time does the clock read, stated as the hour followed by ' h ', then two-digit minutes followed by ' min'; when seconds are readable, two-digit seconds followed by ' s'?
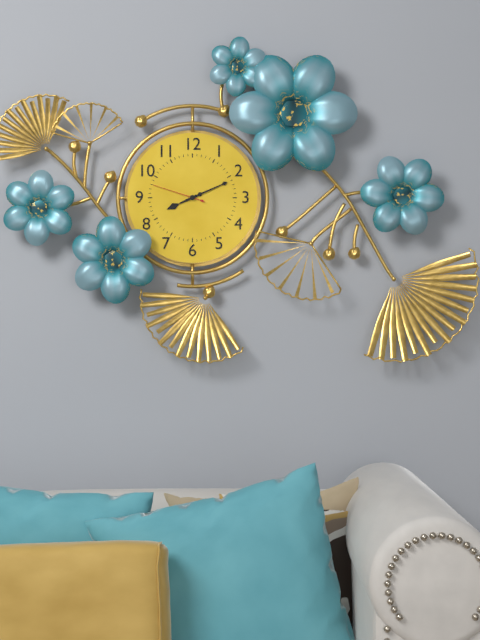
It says 8 h 11 min 48 s
